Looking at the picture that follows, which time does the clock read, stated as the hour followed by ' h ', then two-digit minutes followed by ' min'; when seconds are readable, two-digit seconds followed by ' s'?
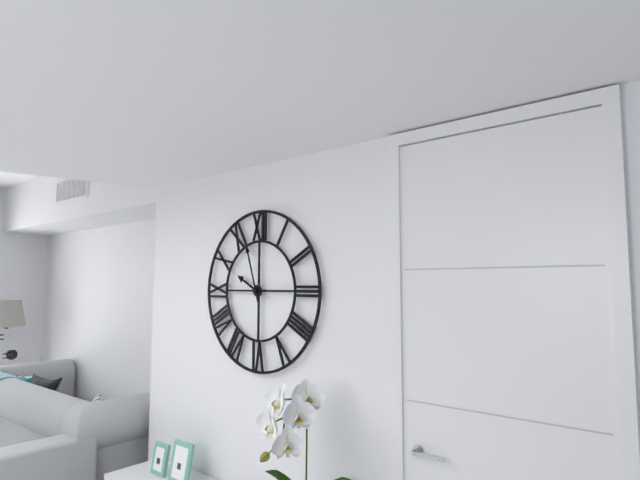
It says 9 h 57 min
